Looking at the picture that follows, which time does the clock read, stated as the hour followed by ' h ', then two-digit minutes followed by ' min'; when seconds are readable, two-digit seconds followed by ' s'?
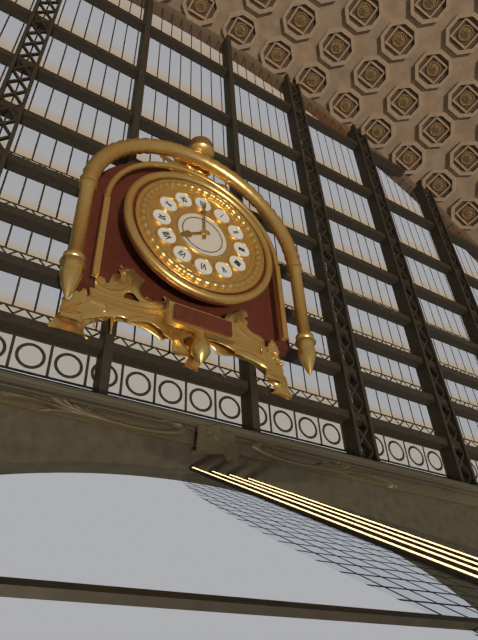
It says 8 h 00 min
